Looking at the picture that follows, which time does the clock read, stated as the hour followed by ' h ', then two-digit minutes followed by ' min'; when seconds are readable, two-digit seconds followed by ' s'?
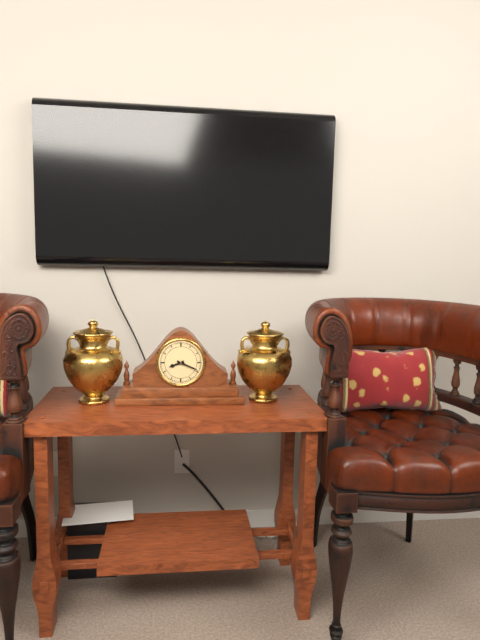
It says 8 h 19 min
